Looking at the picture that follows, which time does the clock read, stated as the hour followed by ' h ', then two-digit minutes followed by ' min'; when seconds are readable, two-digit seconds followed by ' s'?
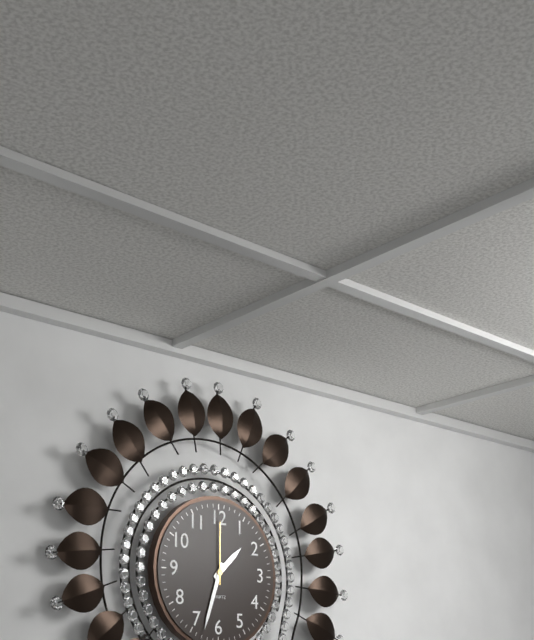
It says 1 h 33 min 00 s
